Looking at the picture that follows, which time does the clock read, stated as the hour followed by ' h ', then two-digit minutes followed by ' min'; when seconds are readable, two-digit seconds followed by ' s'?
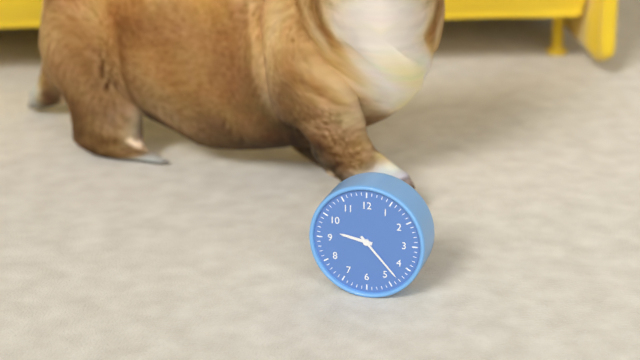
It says 9 h 23 min
